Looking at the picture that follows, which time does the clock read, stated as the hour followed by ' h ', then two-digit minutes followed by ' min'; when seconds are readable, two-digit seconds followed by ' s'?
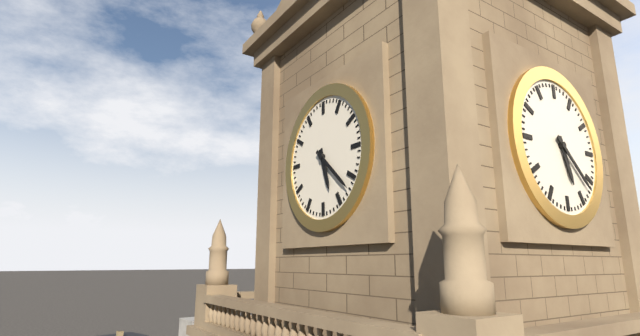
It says 5 h 22 min
